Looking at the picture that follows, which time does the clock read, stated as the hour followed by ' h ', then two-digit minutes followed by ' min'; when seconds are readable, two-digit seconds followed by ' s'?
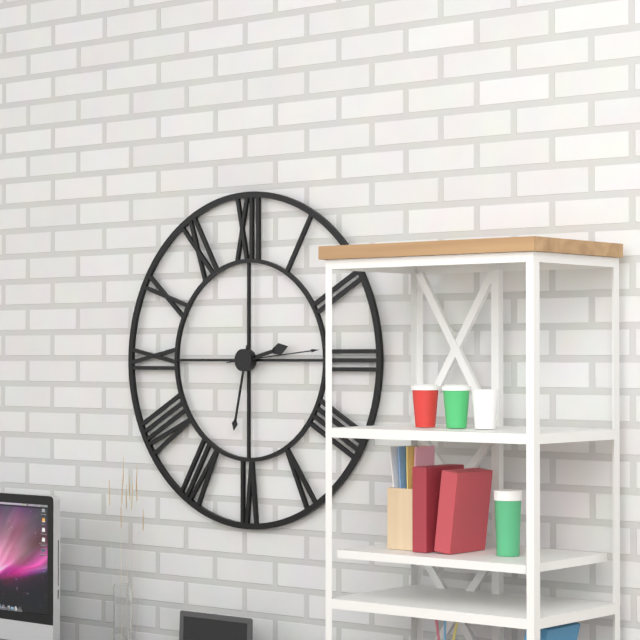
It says 2 h 32 min 14 s
